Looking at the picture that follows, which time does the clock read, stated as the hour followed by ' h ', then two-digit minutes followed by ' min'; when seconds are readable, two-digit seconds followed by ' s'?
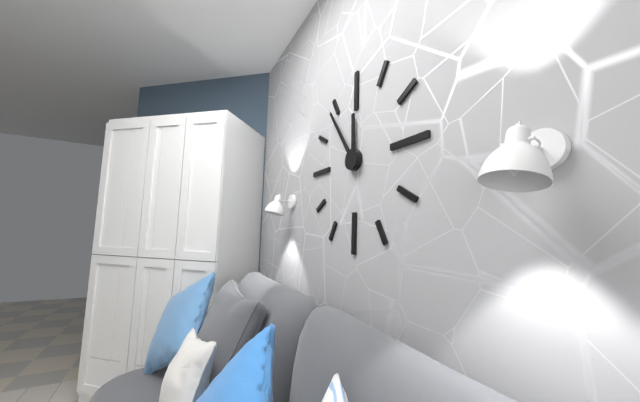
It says 11 h 54 min
